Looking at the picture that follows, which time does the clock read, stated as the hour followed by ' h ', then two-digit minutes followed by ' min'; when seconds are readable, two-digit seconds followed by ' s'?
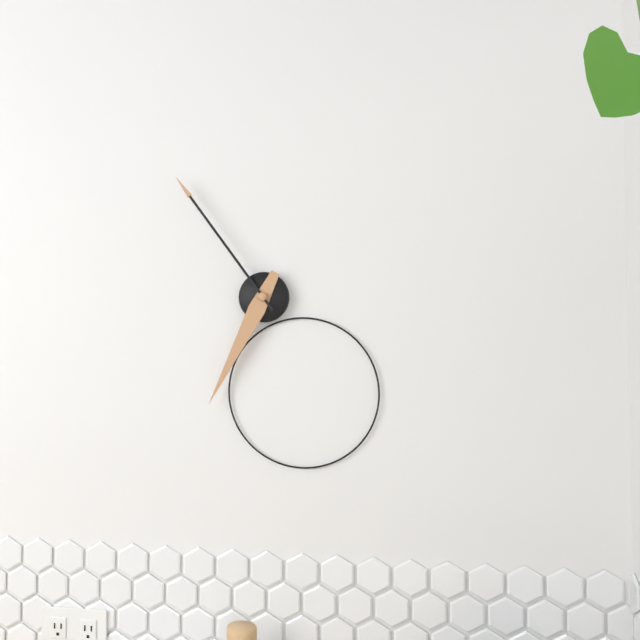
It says 6 h 54 min
